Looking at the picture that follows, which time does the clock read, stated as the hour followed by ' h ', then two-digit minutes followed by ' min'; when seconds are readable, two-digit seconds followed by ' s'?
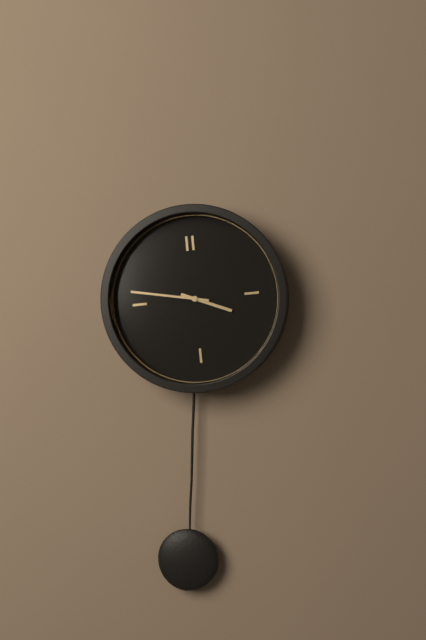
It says 3 h 47 min
